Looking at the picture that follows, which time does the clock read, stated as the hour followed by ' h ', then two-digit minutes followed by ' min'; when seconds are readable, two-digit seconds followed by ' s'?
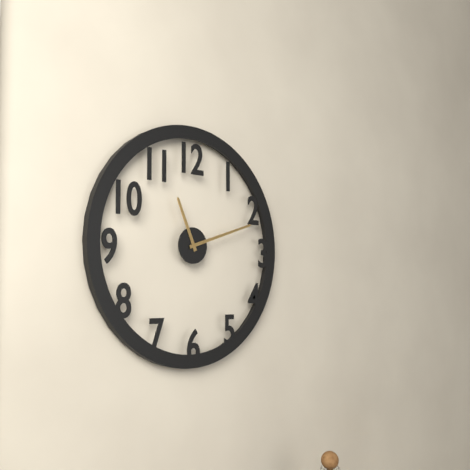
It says 11 h 12 min
